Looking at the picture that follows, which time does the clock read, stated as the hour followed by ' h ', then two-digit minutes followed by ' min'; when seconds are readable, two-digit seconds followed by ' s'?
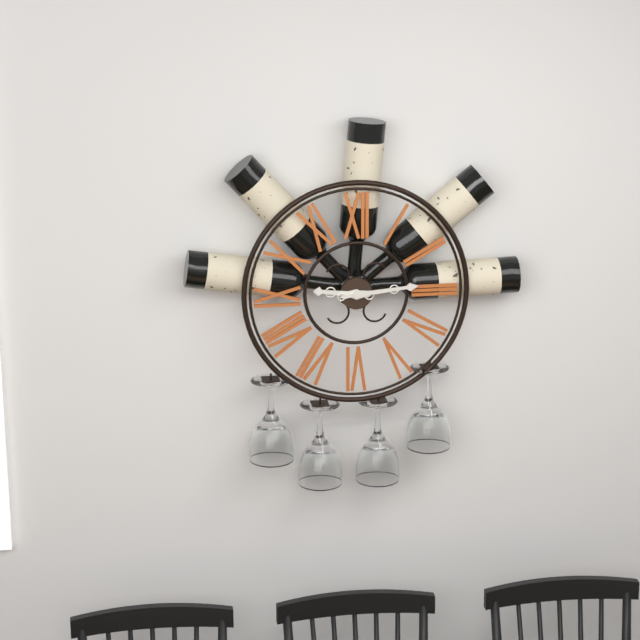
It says 9 h 14 min
